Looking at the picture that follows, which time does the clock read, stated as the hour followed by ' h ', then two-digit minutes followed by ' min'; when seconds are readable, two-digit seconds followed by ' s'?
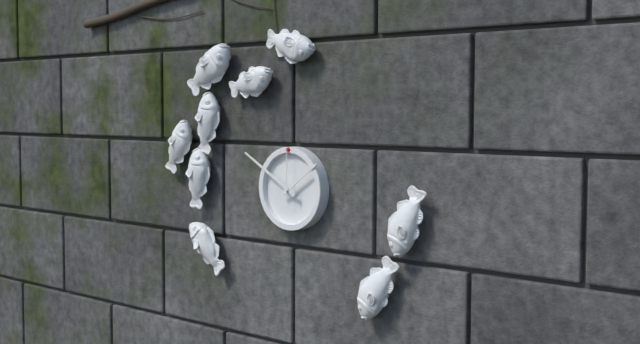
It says 1 h 50 min
